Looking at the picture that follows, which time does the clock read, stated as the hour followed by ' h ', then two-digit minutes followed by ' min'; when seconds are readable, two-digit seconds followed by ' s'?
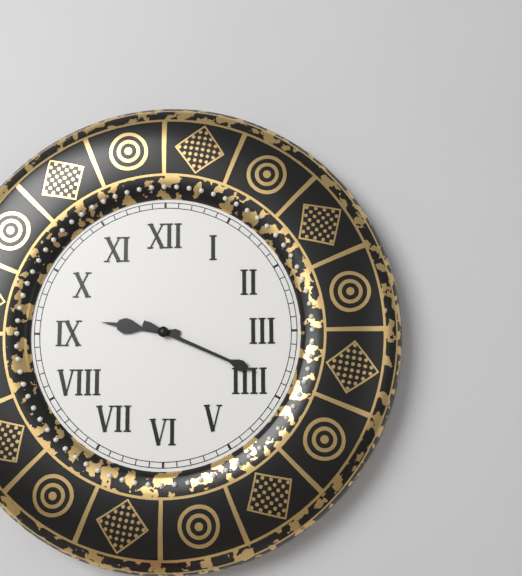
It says 9 h 19 min
